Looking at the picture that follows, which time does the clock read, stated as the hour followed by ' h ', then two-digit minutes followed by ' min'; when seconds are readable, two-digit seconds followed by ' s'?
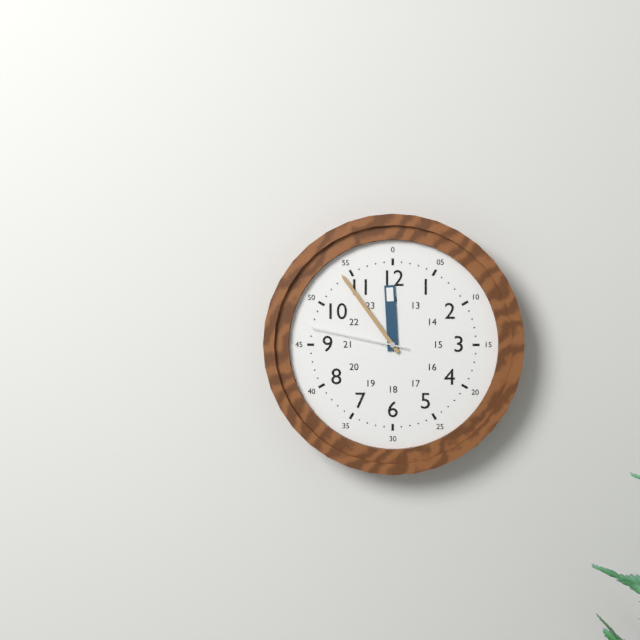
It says 11 h 54 min 47 s
